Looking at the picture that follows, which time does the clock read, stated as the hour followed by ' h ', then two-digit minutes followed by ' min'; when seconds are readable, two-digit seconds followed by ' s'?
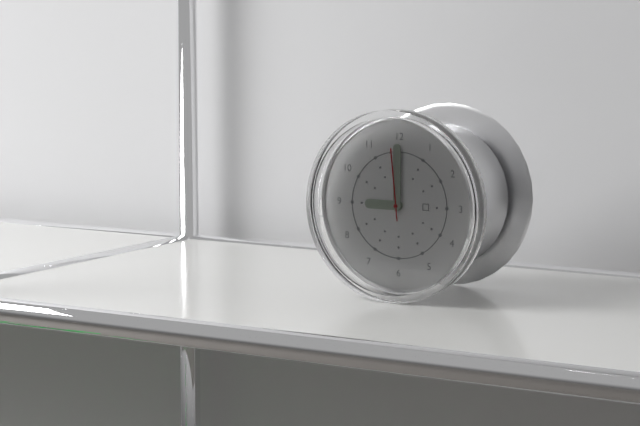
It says 9 h 00 min 59 s
